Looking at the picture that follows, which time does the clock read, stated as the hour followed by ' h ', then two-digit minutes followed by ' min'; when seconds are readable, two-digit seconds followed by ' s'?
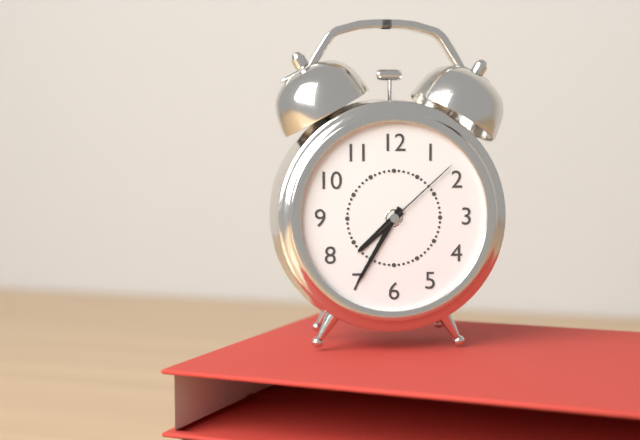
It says 7 h 35 min 08 s
